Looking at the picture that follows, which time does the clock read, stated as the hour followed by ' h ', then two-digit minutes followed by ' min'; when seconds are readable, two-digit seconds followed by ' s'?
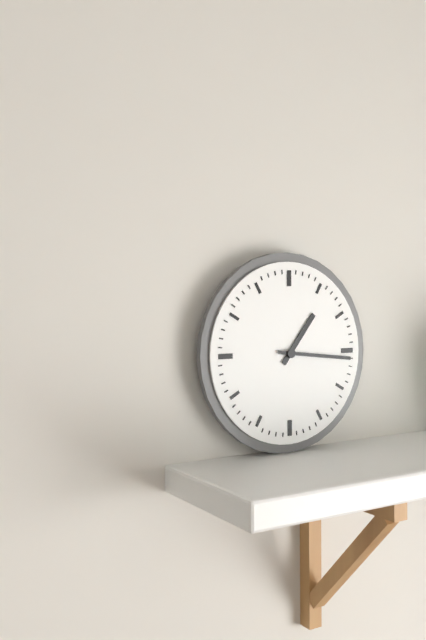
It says 1 h 16 min
